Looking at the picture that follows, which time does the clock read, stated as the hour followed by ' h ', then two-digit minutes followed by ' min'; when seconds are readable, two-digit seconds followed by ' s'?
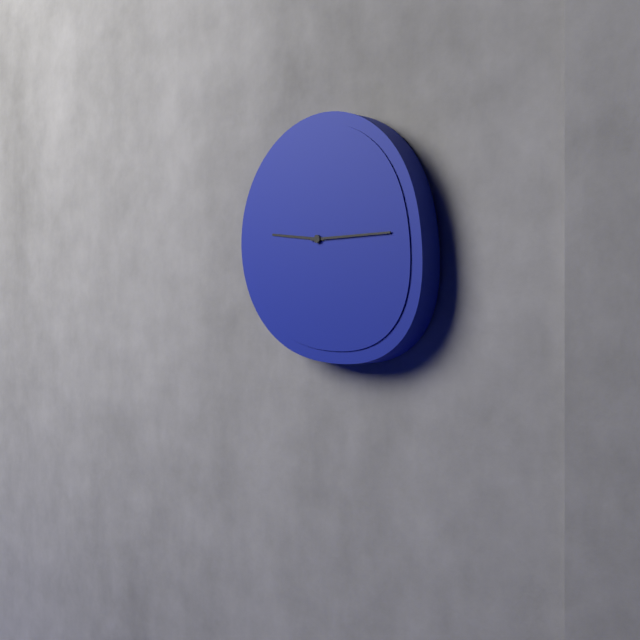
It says 9 h 15 min
